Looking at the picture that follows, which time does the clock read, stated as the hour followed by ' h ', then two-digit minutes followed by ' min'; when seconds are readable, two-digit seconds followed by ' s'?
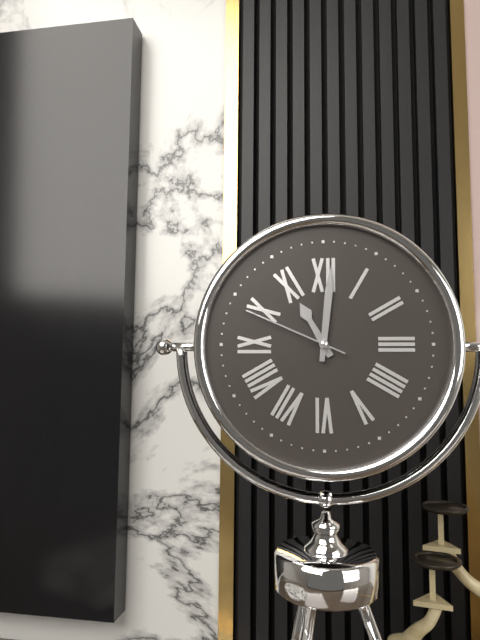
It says 11 h 01 min 49 s
